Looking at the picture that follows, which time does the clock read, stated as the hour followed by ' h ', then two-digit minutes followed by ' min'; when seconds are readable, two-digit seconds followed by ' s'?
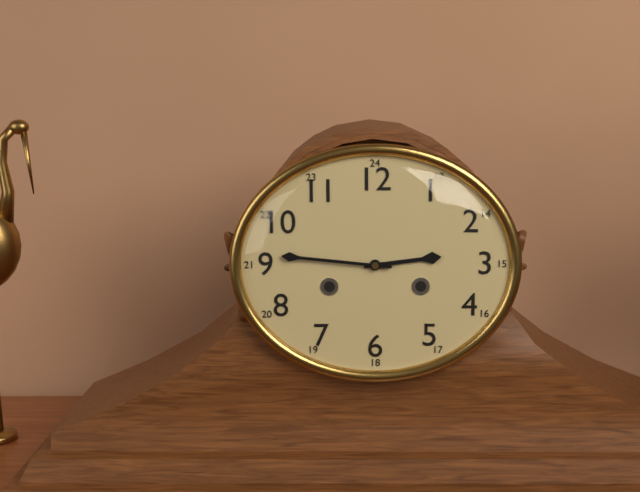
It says 2 h 46 min
